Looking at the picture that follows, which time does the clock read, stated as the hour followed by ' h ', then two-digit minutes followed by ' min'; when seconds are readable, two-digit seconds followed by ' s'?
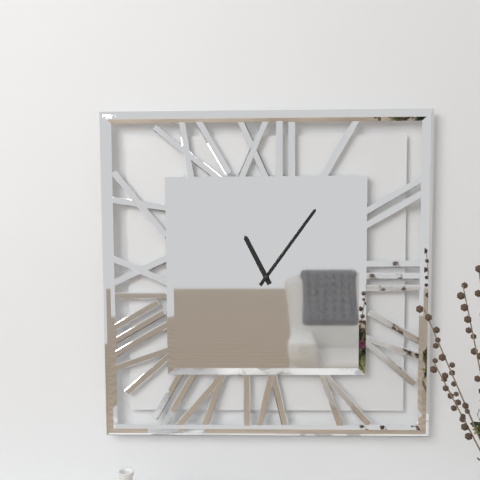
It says 11 h 06 min
